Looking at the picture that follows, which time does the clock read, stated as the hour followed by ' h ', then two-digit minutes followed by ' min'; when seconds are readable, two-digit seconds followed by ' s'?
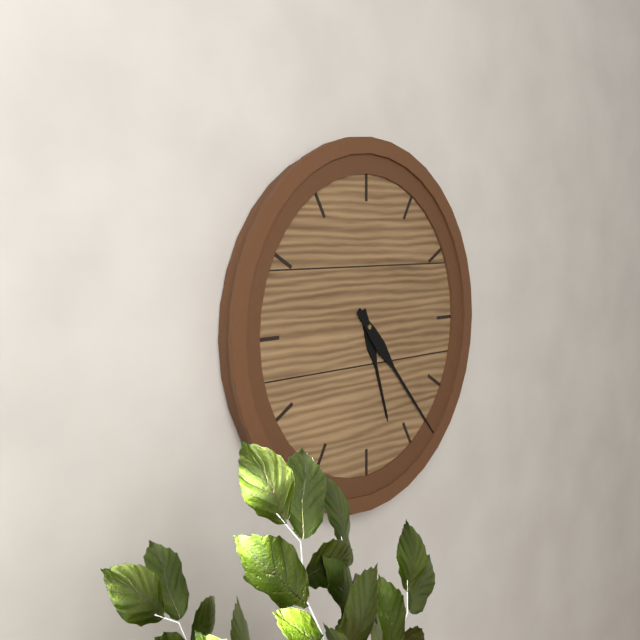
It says 5 h 23 min
